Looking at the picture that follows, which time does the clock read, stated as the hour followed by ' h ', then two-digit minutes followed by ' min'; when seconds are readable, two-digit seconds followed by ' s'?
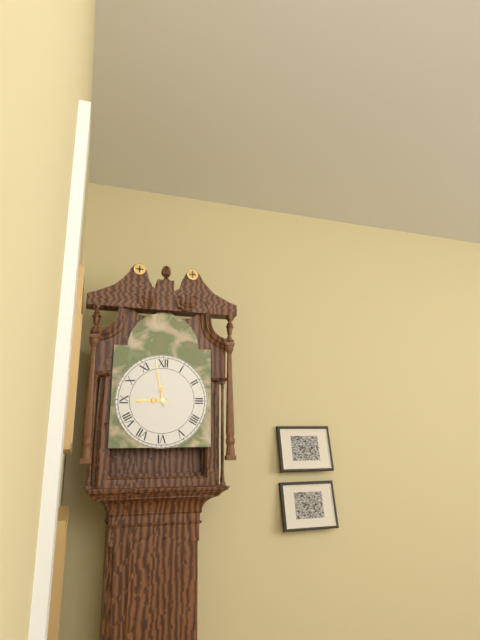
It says 8 h 58 min
